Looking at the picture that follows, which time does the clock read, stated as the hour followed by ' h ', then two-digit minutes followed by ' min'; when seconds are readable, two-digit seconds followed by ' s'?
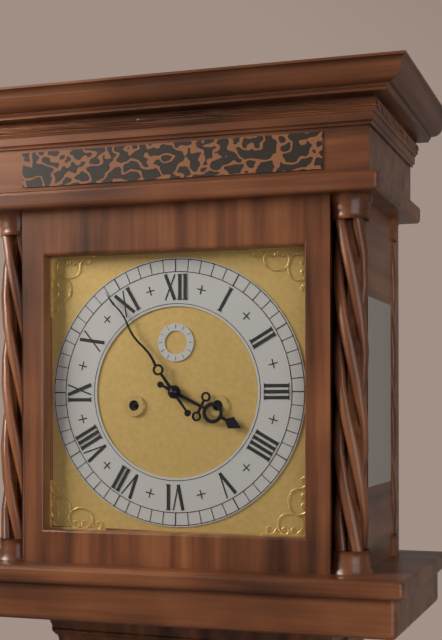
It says 3 h 54 min
